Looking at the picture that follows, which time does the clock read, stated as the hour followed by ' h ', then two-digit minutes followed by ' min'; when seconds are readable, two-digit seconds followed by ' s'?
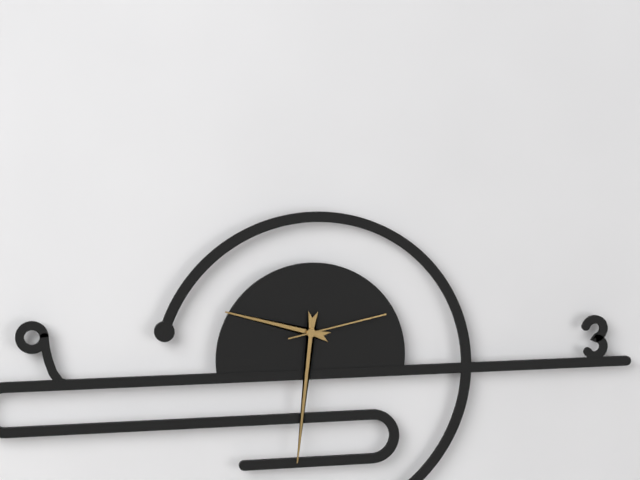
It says 9 h 31 min 13 s
